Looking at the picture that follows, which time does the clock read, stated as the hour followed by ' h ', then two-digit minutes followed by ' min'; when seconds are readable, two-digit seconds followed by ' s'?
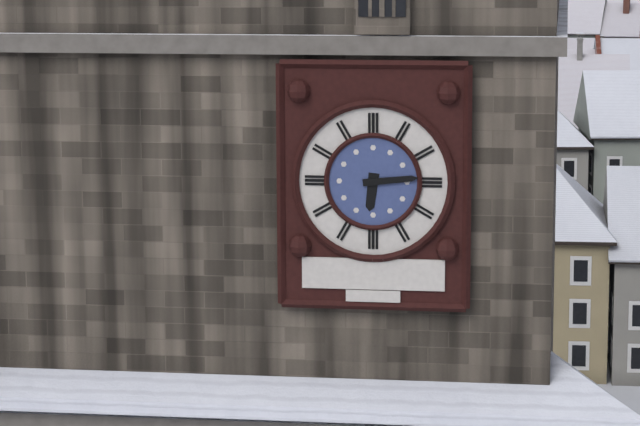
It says 6 h 14 min
